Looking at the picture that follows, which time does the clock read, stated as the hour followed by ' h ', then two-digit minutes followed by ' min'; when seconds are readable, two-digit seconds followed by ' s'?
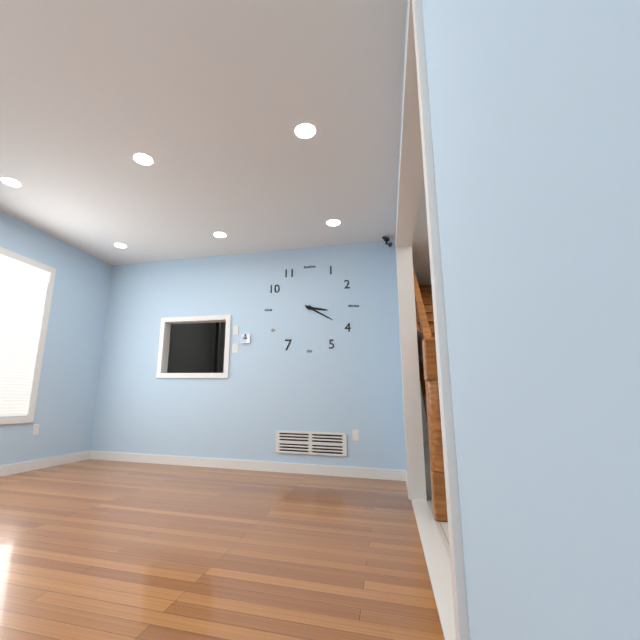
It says 3 h 20 min
